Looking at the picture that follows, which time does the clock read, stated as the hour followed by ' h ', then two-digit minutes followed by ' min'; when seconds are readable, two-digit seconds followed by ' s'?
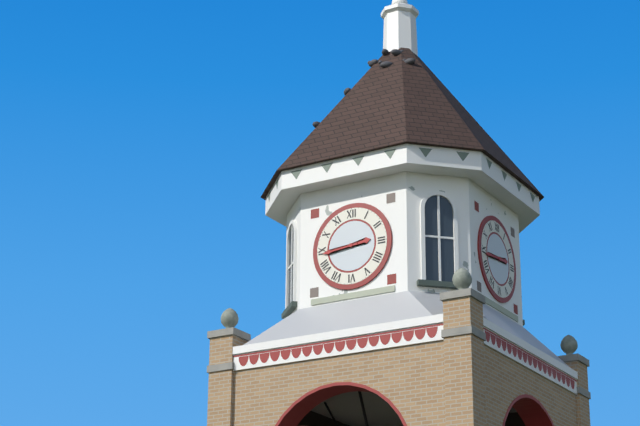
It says 2 h 44 min
